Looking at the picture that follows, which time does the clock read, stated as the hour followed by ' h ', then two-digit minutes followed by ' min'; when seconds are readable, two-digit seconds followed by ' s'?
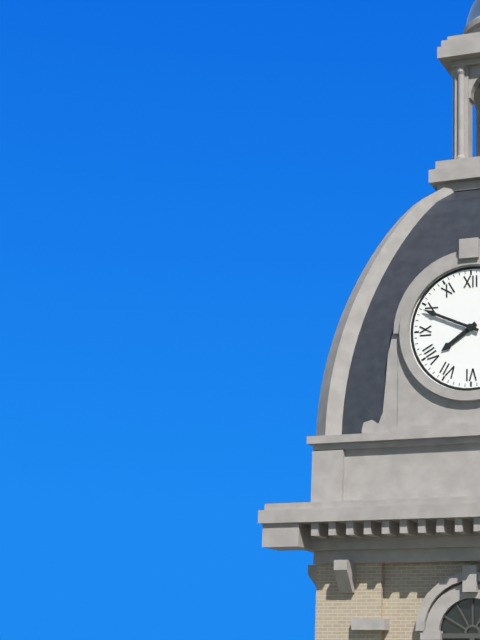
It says 7 h 49 min
